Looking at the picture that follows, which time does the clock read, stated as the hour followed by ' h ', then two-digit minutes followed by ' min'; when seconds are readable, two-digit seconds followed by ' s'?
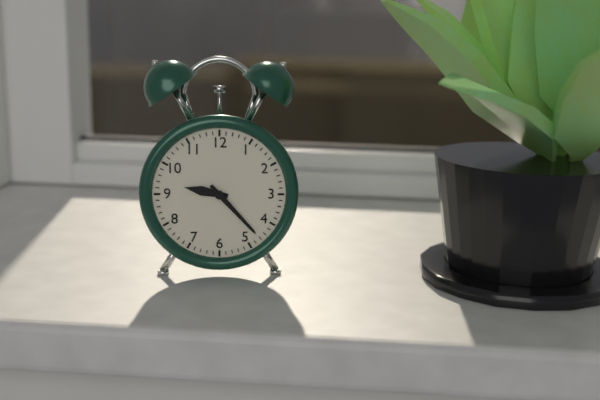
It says 9 h 23 min
